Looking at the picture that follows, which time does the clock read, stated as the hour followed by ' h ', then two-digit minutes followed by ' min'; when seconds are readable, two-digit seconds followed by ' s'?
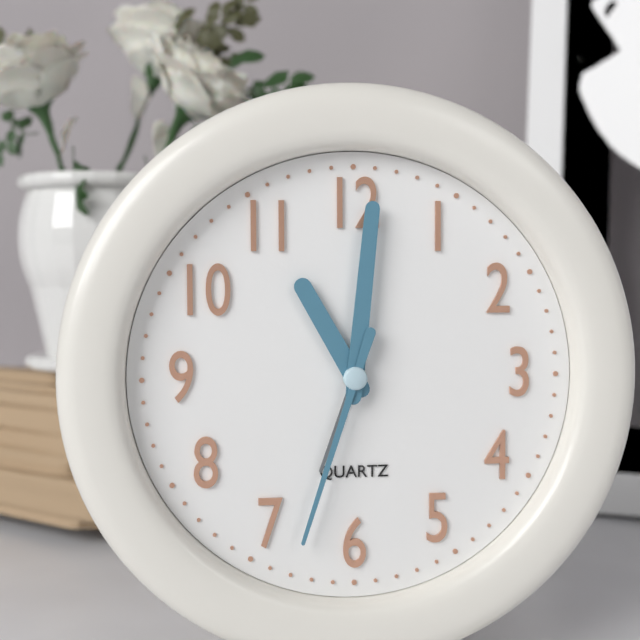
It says 11 h 01 min 33 s
